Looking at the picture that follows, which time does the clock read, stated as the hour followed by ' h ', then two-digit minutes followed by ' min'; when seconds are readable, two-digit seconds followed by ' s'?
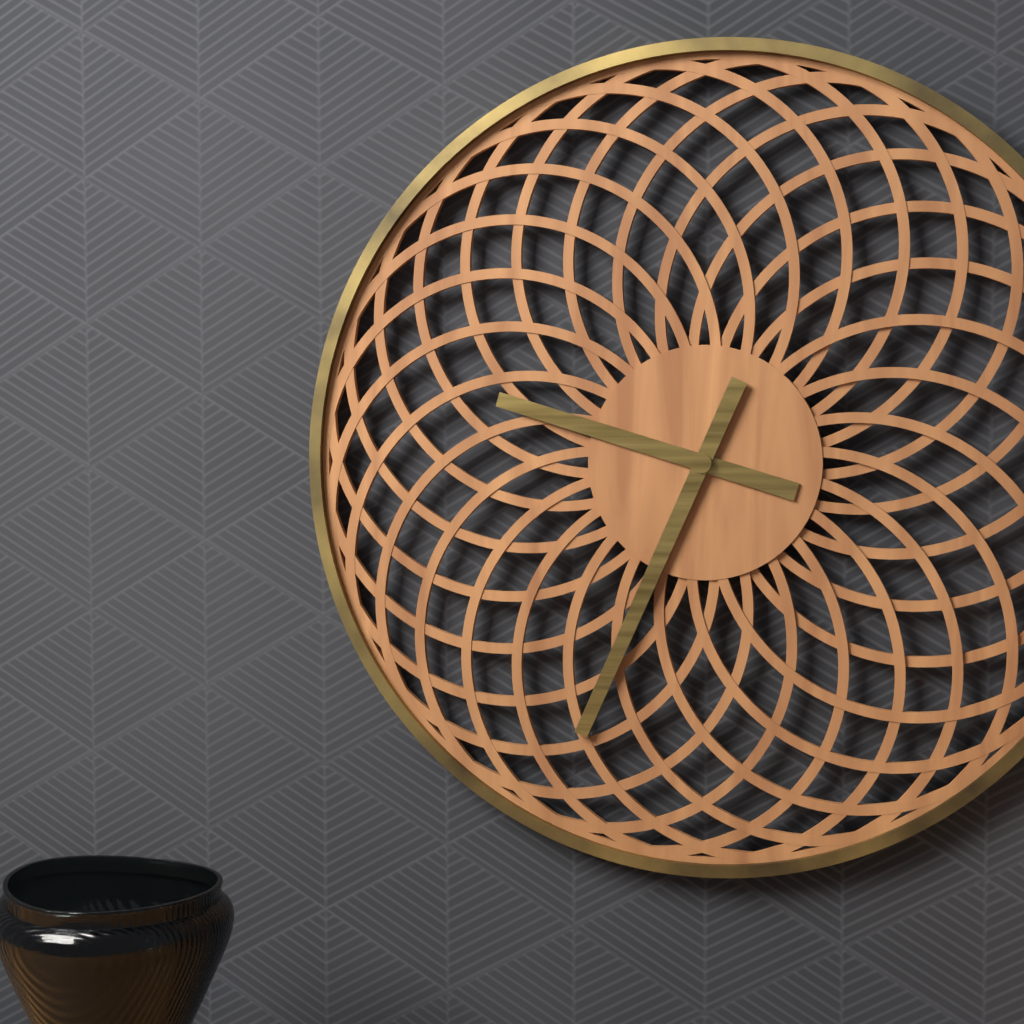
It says 9 h 34 min
